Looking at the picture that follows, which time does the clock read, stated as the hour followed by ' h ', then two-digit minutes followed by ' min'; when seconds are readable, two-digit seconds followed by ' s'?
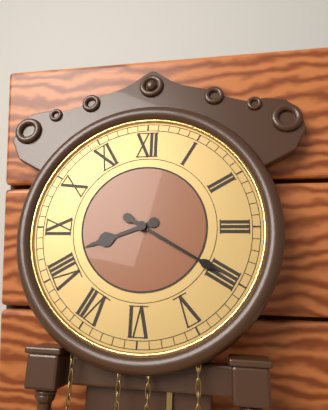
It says 8 h 20 min
